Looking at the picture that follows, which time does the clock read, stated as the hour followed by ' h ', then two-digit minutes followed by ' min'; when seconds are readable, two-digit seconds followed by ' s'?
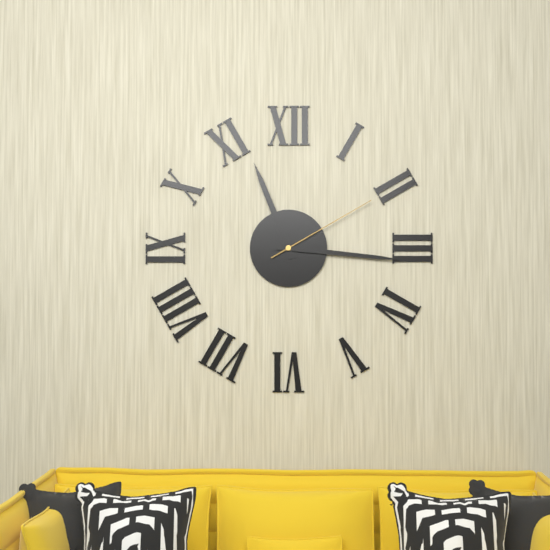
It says 11 h 16 min 10 s
